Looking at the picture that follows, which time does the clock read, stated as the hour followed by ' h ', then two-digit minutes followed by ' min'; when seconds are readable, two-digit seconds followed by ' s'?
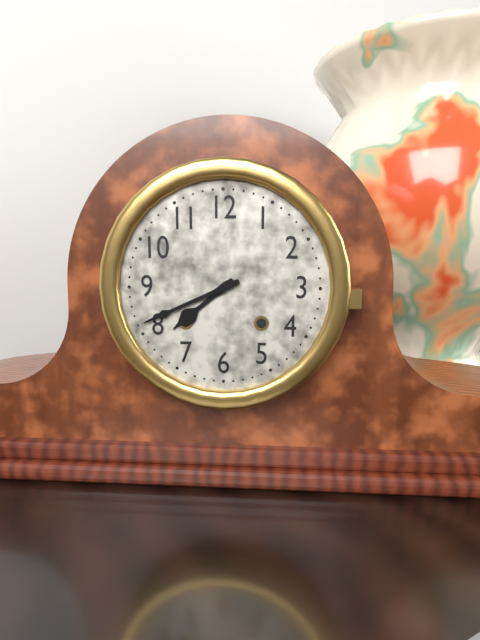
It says 7 h 41 min
